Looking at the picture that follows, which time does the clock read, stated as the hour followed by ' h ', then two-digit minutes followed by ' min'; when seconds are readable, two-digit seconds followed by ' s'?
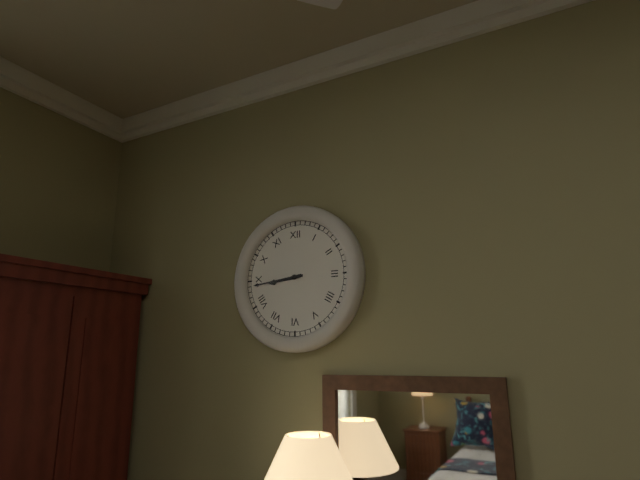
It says 8 h 44 min
